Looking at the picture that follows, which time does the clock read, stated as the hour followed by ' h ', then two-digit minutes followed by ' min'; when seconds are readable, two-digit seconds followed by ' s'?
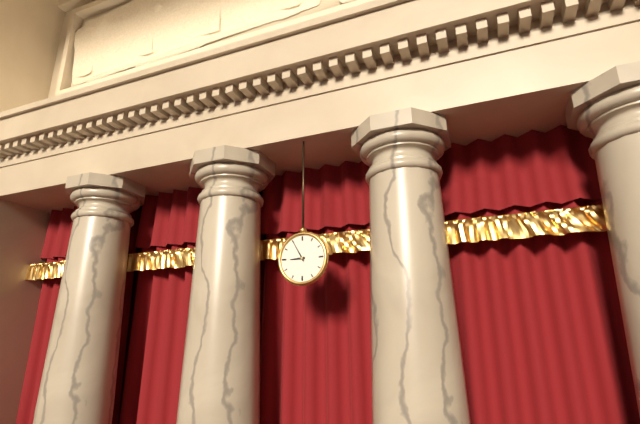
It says 8 h 55 min
